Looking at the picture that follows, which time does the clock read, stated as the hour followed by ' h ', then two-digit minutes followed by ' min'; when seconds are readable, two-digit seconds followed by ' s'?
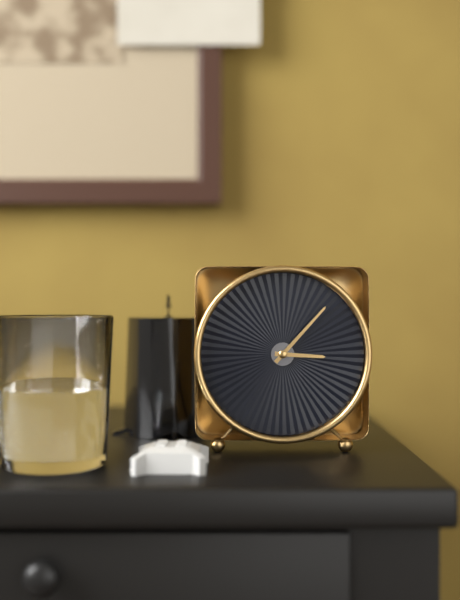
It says 3 h 07 min
